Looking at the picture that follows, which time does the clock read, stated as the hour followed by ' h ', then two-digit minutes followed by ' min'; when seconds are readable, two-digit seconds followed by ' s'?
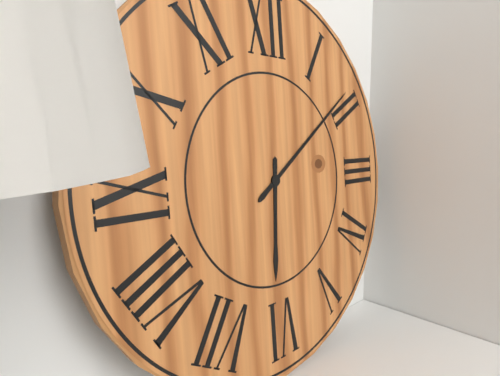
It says 6 h 09 min
